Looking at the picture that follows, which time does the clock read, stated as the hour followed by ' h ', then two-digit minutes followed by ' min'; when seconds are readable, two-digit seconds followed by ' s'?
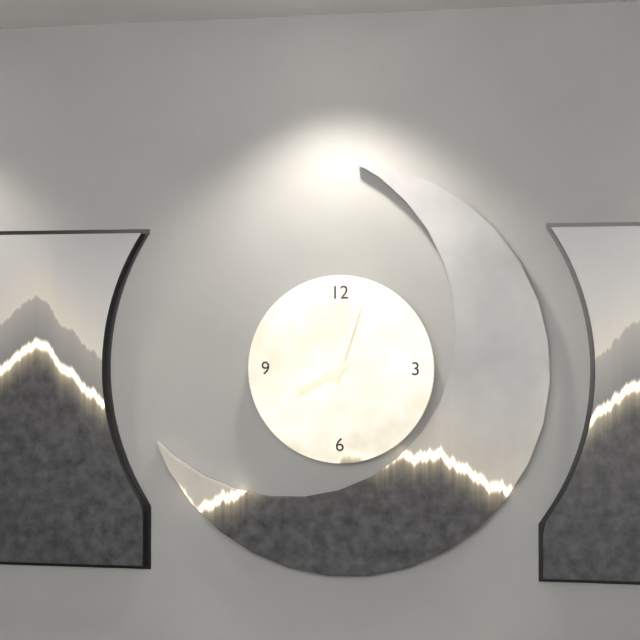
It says 8 h 03 min
